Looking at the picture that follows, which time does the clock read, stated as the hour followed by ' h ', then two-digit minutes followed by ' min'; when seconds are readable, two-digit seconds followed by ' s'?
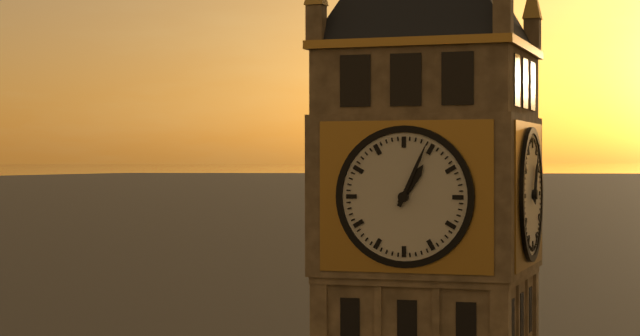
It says 1 h 04 min
